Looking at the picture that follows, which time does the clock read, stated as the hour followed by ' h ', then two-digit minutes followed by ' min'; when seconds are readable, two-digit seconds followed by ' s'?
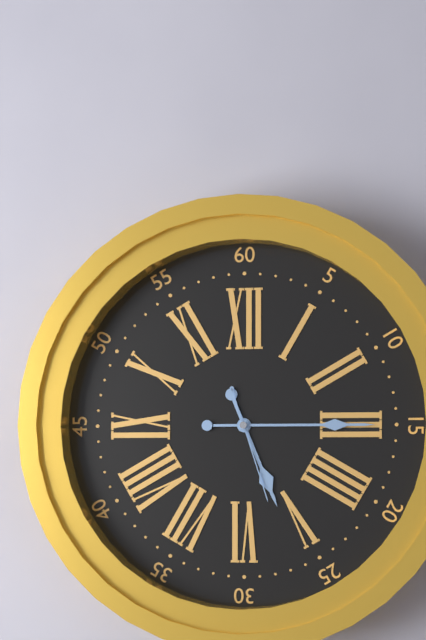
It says 5 h 15 min 27 s
